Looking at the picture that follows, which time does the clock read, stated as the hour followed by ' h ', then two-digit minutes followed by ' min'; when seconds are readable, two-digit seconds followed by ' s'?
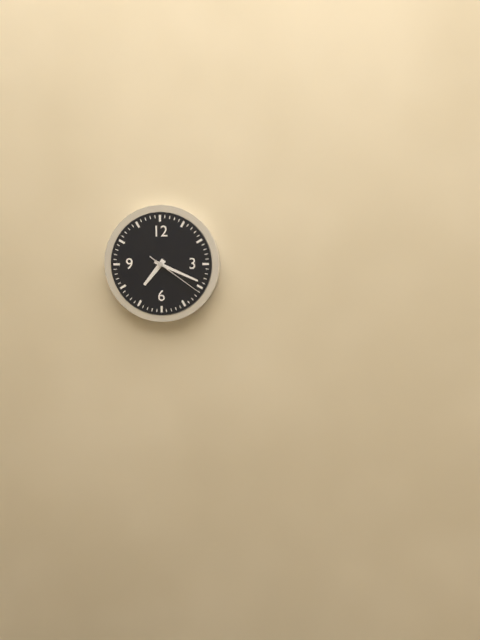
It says 7 h 19 min 21 s
